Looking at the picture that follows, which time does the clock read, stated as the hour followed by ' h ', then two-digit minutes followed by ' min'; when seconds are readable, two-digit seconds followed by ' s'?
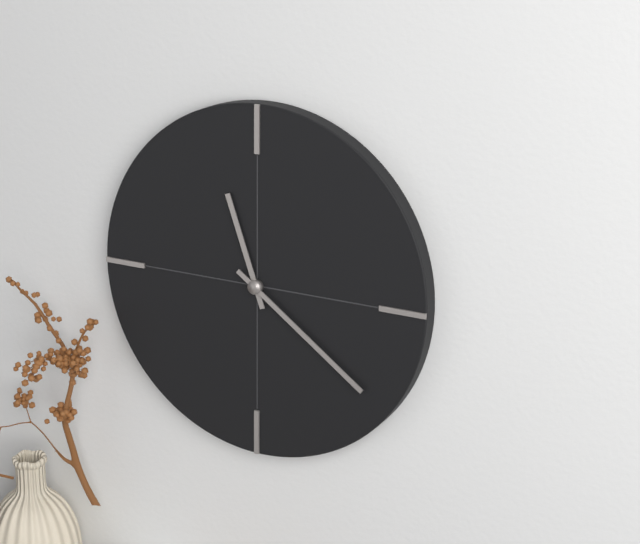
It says 11 h 21 min
